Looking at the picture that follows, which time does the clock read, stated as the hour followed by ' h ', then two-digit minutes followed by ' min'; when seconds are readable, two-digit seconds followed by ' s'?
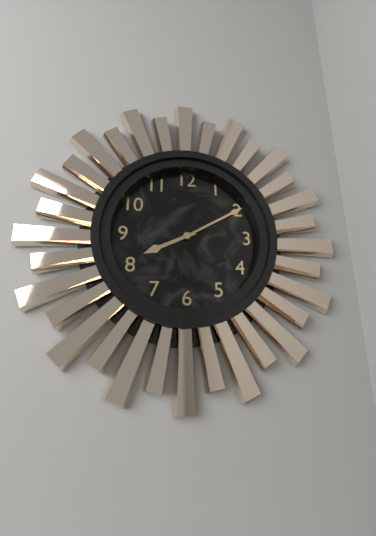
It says 8 h 10 min
